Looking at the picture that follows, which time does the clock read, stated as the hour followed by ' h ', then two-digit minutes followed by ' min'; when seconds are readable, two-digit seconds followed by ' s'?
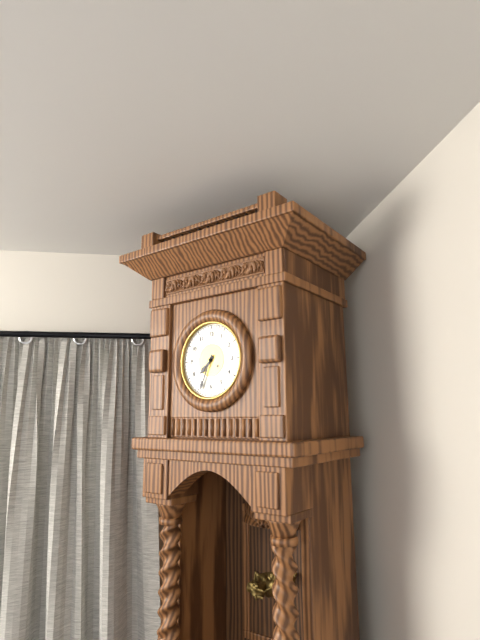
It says 7 h 34 min
